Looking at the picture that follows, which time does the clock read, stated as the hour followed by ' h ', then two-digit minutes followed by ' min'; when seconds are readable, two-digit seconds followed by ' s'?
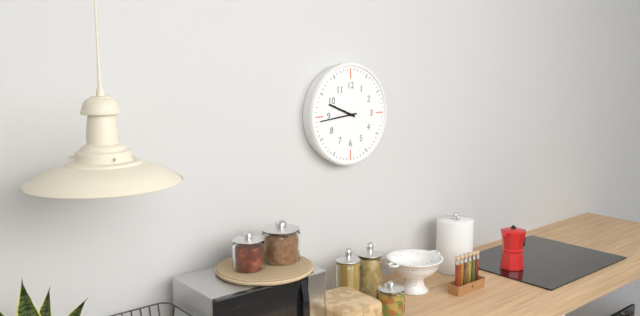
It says 9 h 44 min
